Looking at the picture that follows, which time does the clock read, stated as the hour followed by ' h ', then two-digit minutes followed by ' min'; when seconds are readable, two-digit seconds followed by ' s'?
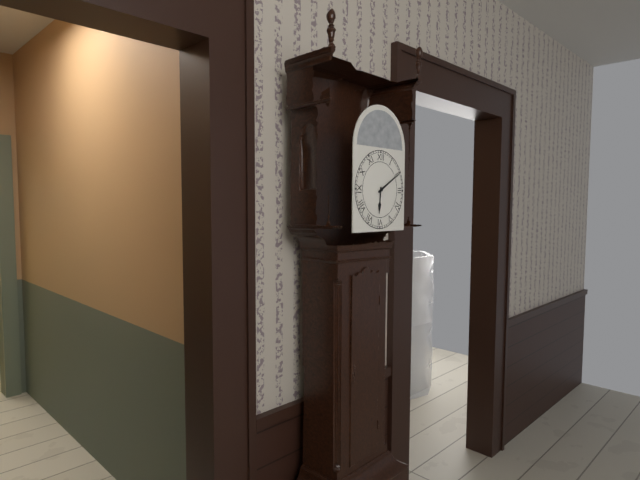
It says 6 h 10 min
